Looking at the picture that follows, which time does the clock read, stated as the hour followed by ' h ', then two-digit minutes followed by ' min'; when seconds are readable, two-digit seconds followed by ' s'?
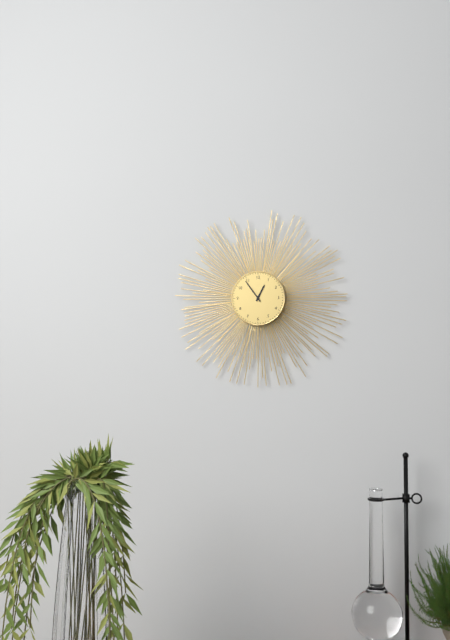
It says 12 h 54 min
